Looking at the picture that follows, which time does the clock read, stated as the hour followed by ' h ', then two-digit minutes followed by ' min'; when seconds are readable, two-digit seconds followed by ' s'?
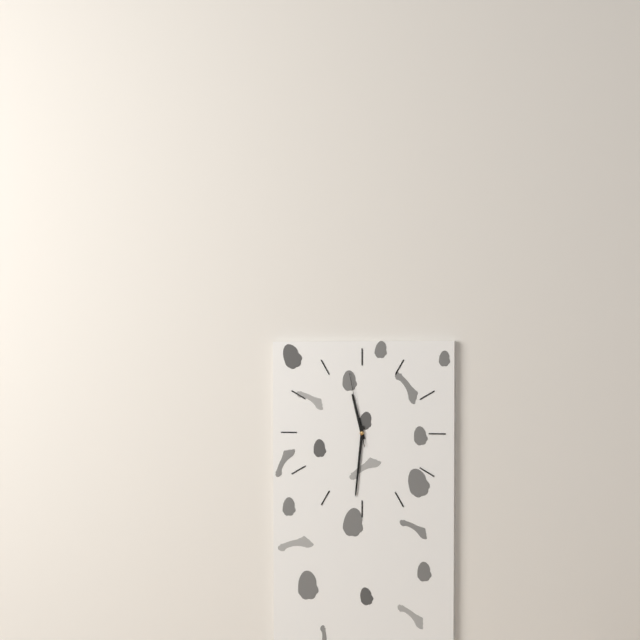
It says 11 h 31 min 58 s
